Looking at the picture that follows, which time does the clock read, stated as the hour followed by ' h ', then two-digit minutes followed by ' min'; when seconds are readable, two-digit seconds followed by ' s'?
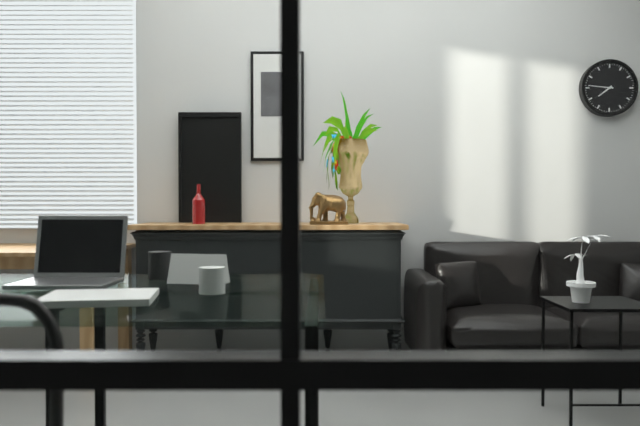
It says 7 h 46 min
